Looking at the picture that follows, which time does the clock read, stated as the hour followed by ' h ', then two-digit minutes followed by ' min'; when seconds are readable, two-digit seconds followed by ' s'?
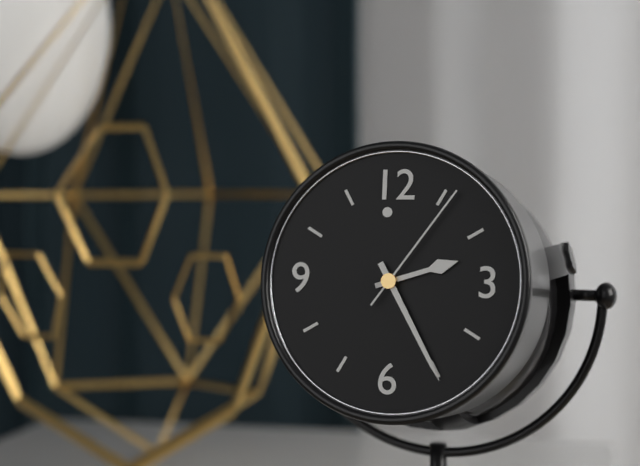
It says 2 h 25 min 06 s
